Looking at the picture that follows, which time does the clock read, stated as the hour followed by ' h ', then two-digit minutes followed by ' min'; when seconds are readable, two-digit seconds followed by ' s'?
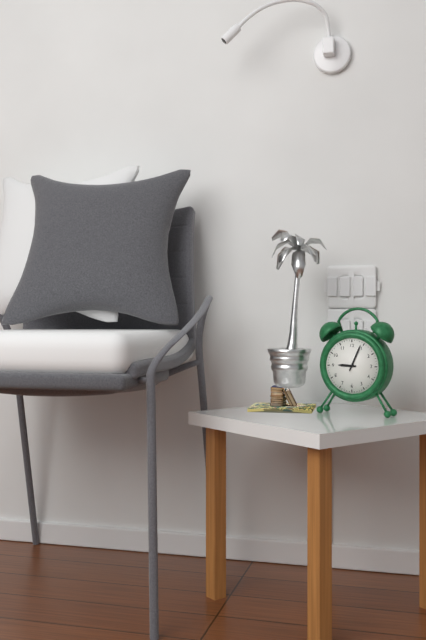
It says 9 h 04 min
